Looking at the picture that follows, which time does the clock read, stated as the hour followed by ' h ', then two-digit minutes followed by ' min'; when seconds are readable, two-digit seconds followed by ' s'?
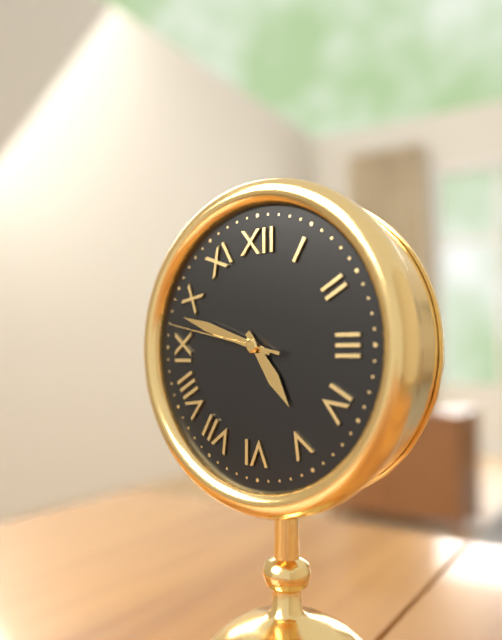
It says 4 h 48 min 47 s
